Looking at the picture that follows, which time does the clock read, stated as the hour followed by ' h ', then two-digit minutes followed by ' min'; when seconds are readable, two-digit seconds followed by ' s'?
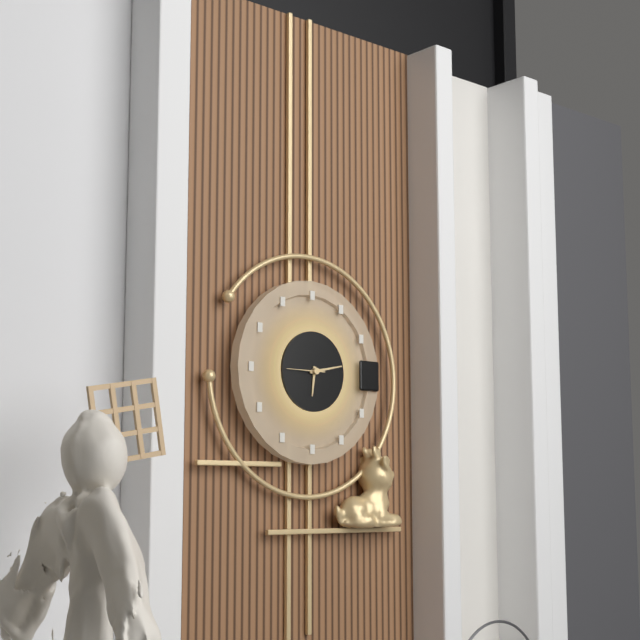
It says 6 h 13 min
